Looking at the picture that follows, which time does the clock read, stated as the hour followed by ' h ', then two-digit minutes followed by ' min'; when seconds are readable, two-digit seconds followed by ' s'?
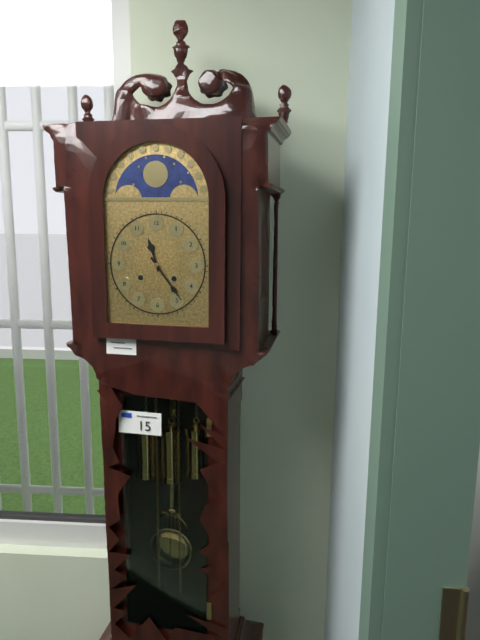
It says 11 h 24 min
